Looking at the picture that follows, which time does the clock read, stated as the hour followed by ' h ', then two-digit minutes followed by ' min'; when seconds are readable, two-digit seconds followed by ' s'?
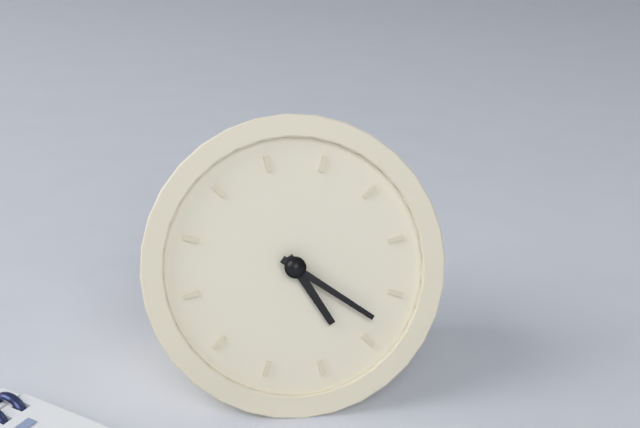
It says 5 h 23 min
